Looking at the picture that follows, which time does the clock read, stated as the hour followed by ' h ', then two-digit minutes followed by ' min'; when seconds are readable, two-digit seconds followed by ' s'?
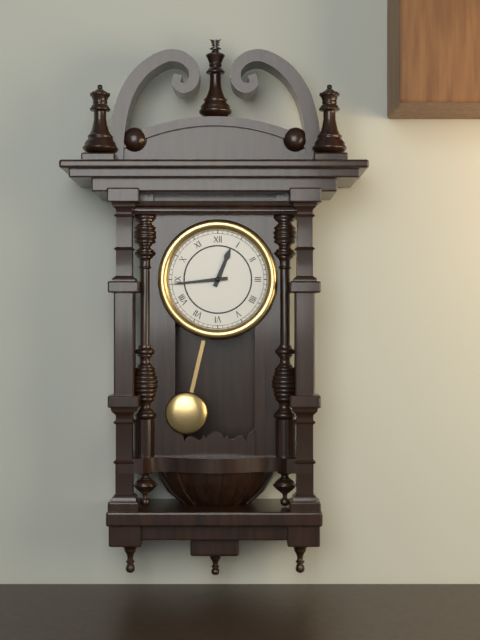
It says 12 h 44 min
